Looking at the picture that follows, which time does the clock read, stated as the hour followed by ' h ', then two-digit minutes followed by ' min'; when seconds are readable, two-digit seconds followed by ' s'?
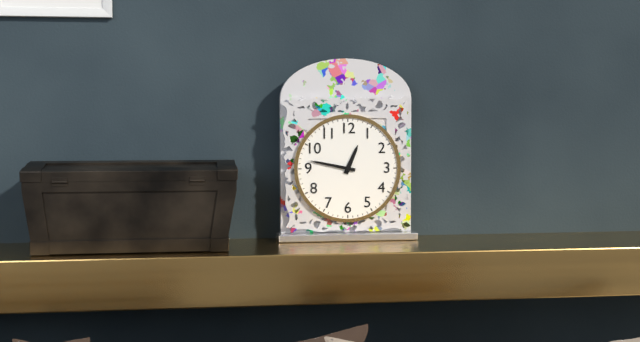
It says 12 h 47 min
